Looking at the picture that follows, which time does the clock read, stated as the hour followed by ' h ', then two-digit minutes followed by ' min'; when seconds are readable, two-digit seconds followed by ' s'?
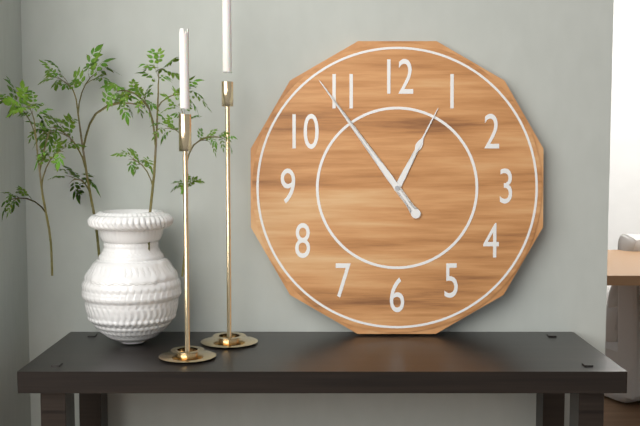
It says 12 h 54 min
